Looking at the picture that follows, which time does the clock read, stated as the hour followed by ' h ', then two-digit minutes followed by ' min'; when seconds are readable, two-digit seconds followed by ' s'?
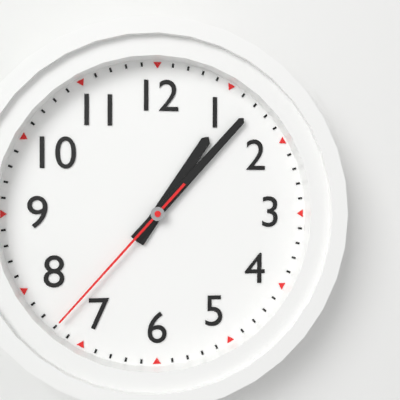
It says 1 h 07 min 37 s
